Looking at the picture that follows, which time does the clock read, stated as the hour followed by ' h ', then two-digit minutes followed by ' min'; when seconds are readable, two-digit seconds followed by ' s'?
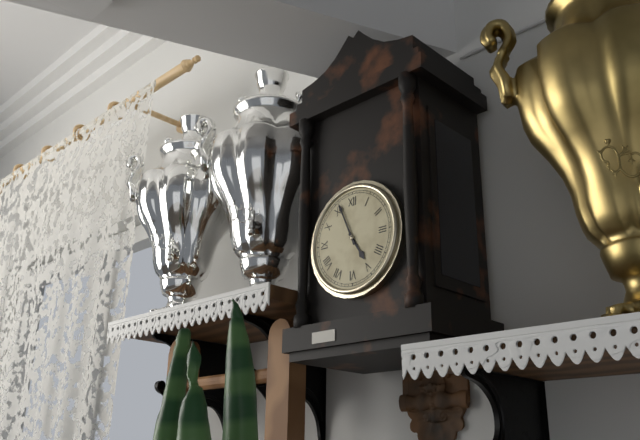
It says 4 h 56 min
